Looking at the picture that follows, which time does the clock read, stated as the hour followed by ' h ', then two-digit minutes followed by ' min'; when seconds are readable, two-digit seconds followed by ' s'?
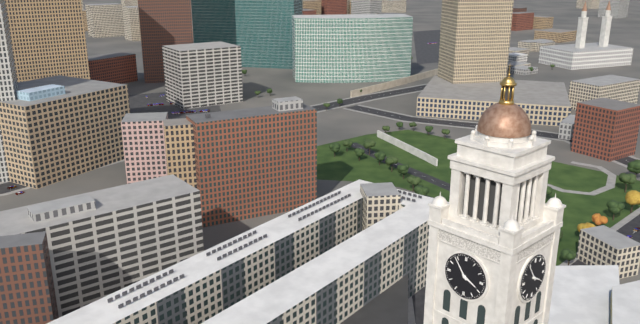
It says 3 h 54 min
